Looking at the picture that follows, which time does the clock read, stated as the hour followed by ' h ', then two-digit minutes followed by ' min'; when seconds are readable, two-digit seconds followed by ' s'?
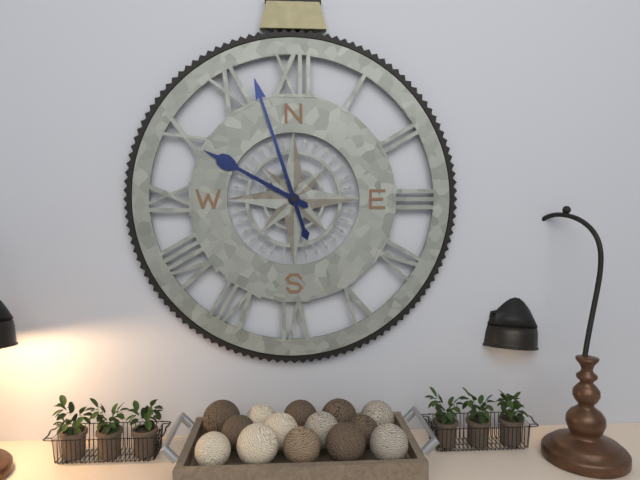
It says 9 h 57 min
